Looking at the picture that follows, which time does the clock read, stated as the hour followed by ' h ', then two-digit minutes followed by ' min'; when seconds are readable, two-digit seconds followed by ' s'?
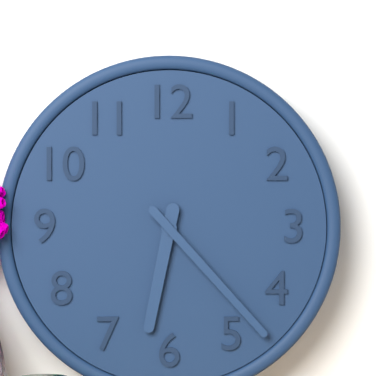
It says 6 h 23 min
